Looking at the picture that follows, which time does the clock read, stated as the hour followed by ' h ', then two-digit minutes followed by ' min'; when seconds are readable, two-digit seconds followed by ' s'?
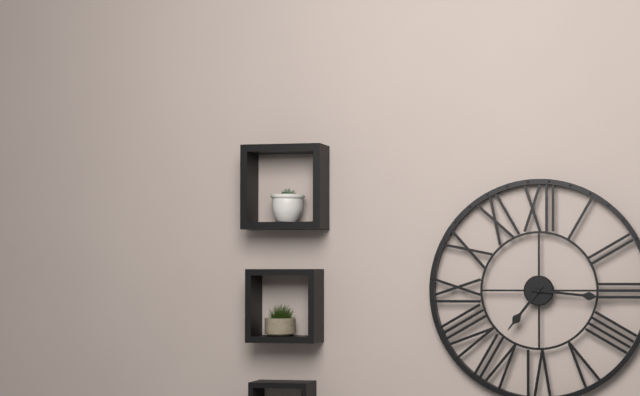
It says 7 h 16 min
